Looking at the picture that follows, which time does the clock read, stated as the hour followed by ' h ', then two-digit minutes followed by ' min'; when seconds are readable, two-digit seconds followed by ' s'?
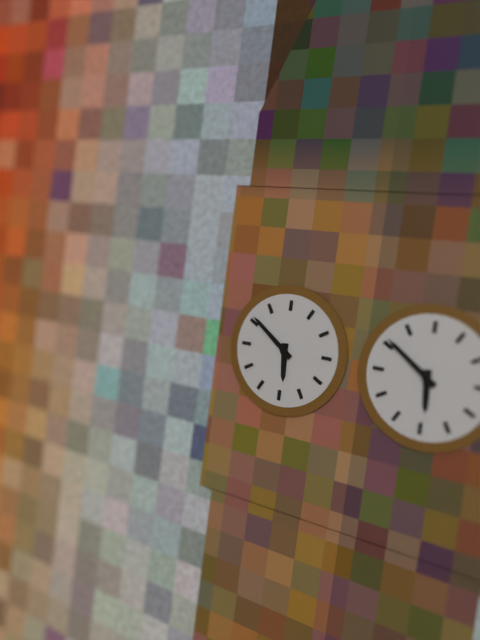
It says 5 h 51 min
